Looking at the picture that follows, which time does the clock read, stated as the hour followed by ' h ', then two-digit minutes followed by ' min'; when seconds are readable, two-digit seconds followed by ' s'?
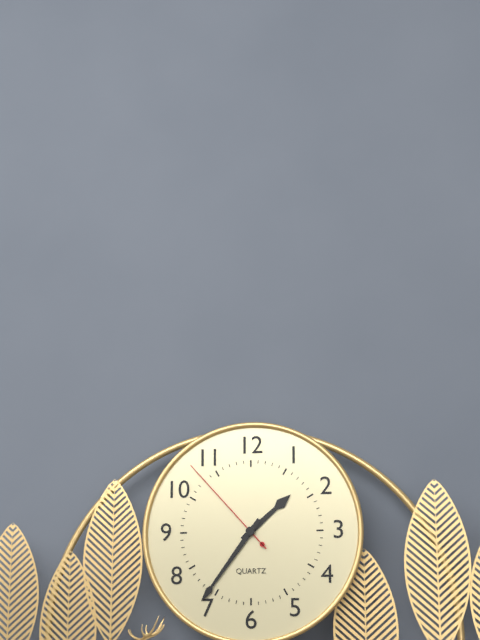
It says 1 h 36 min 53 s
